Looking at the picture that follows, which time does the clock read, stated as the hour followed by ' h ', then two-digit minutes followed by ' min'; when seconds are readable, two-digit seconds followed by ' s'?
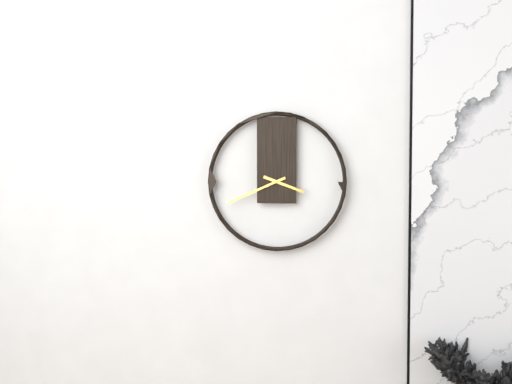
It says 3 h 41 min
